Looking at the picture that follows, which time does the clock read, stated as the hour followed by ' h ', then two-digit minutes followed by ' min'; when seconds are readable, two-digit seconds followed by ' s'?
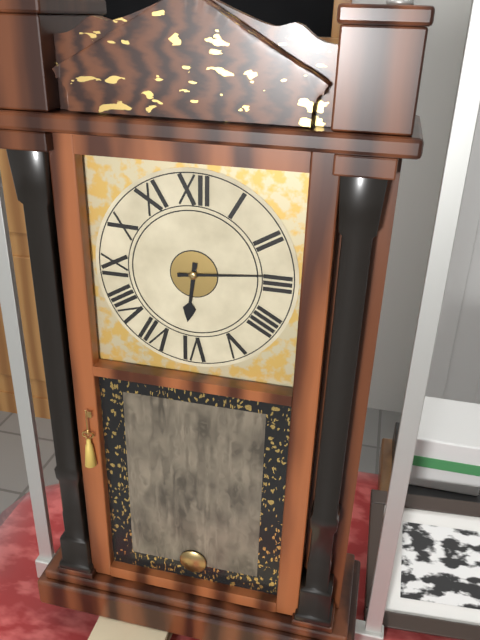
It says 6 h 14 min
